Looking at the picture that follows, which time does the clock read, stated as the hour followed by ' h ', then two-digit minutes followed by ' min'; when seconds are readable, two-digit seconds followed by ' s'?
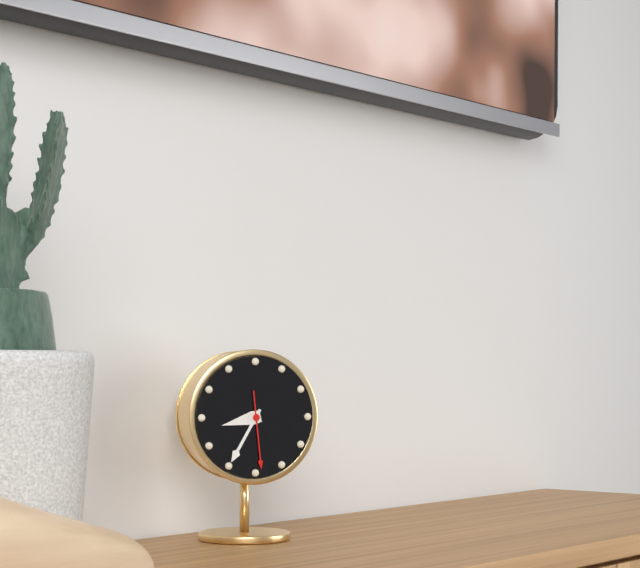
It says 8 h 35 min 29 s
